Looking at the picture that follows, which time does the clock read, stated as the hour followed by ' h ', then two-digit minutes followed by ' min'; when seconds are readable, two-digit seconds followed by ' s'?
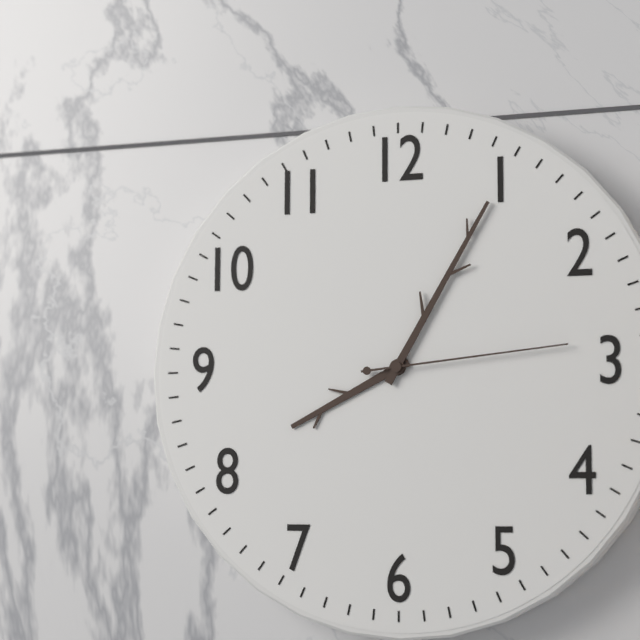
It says 8 h 05 min 14 s
